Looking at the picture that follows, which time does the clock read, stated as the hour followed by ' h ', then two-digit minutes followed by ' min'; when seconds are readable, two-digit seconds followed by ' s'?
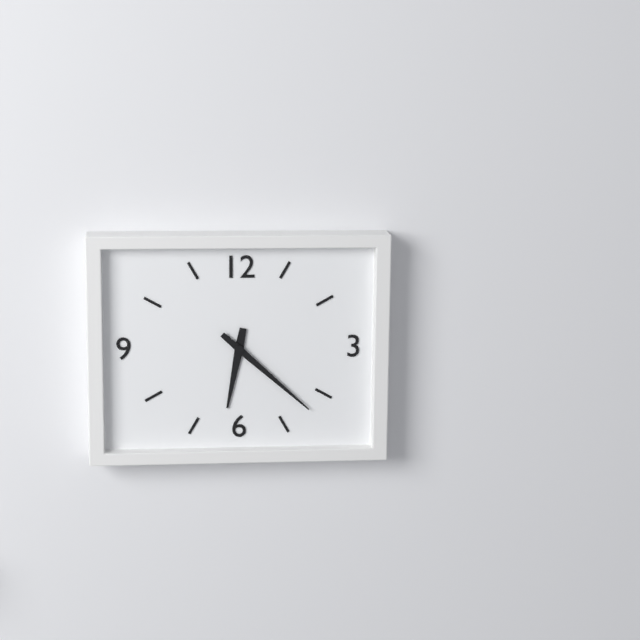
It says 6 h 22 min
